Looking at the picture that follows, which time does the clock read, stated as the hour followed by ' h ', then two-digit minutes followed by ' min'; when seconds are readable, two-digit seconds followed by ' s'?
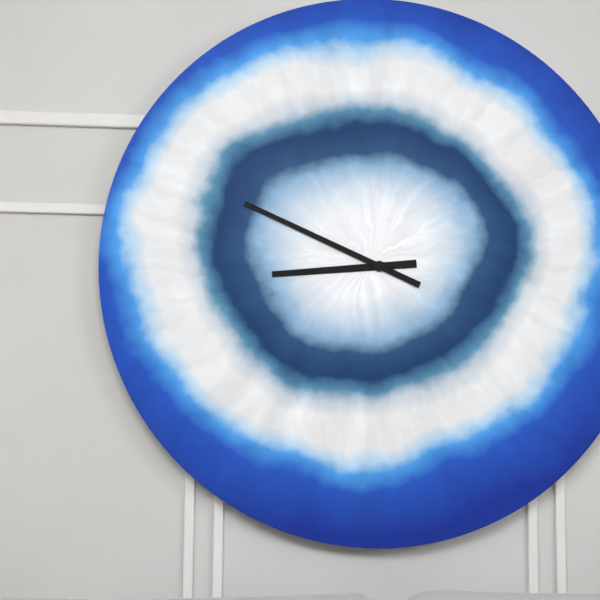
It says 8 h 49 min
